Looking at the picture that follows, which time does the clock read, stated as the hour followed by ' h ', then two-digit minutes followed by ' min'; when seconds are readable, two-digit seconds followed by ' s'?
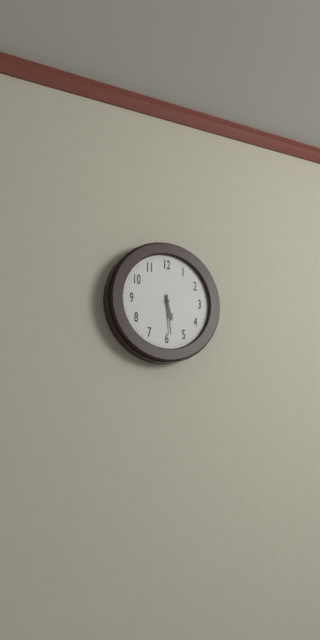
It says 5 h 29 min
